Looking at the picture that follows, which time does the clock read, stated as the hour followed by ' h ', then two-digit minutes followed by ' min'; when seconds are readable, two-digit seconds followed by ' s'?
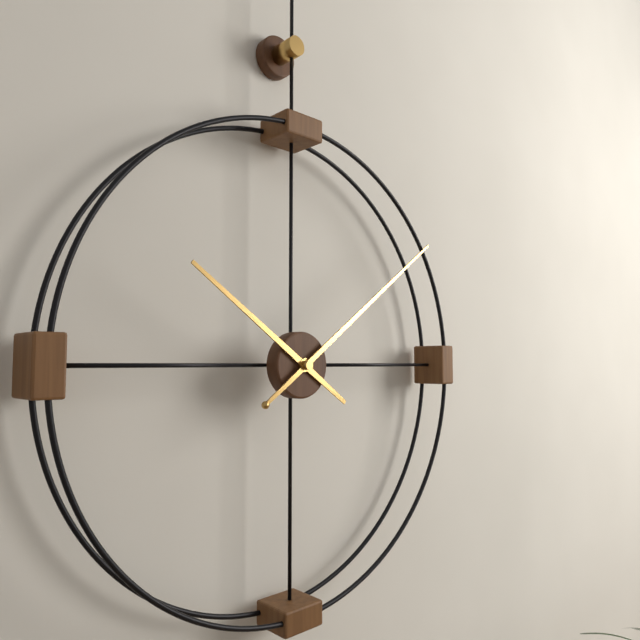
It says 10 h 09 min
